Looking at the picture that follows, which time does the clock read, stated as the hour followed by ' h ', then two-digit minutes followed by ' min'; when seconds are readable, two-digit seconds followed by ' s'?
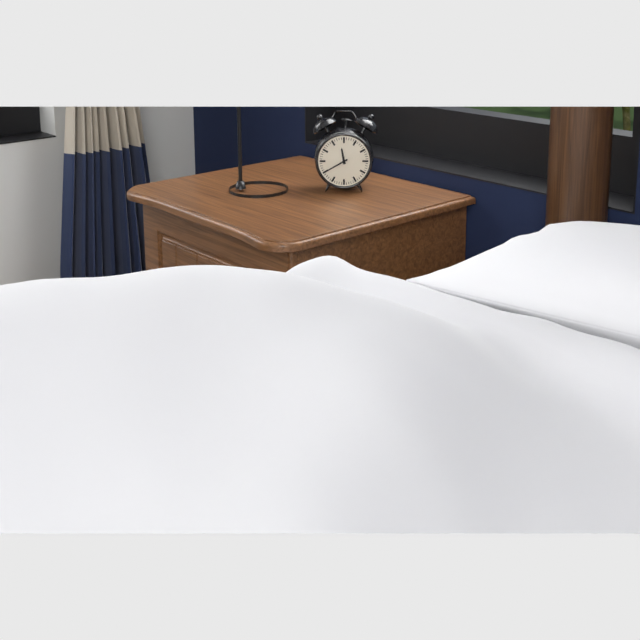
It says 11 h 40 min
